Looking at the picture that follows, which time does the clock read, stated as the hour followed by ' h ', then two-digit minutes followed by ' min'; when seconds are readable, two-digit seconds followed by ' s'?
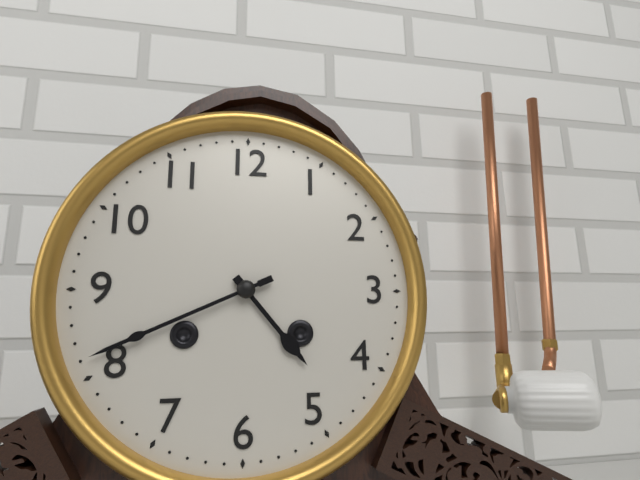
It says 4 h 41 min
